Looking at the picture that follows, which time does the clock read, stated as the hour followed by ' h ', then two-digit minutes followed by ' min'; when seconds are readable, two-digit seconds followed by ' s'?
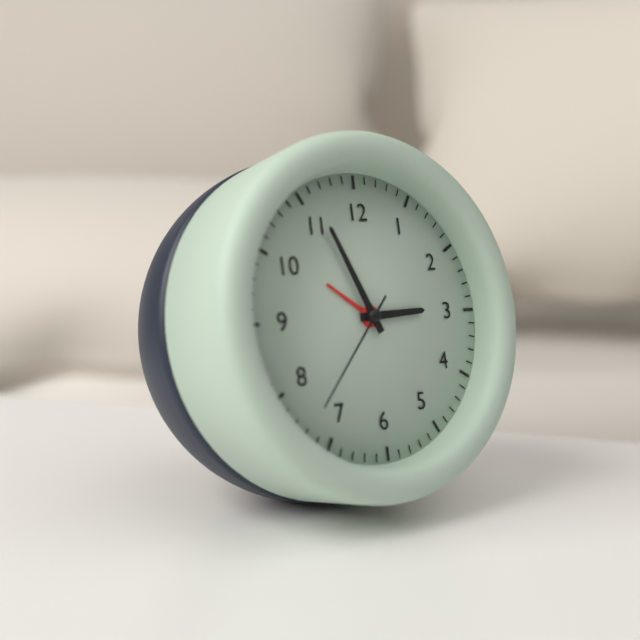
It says 2 h 56 min 37 s
